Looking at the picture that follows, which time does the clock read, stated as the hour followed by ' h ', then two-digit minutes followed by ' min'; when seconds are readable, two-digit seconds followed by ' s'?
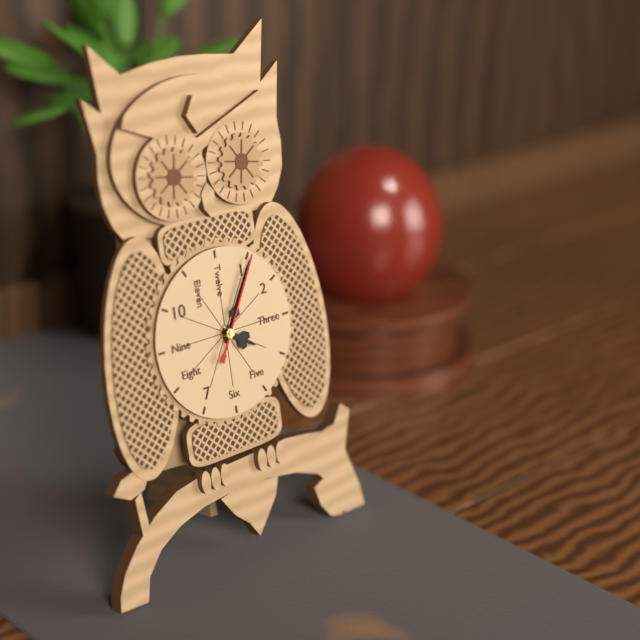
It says 4 h 05 min 05 s
